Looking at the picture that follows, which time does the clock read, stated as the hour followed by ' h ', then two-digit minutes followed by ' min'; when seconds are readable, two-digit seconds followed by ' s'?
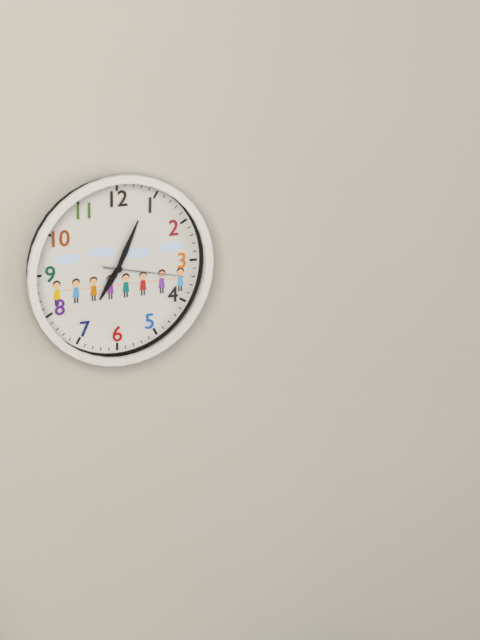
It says 7 h 04 min 17 s
